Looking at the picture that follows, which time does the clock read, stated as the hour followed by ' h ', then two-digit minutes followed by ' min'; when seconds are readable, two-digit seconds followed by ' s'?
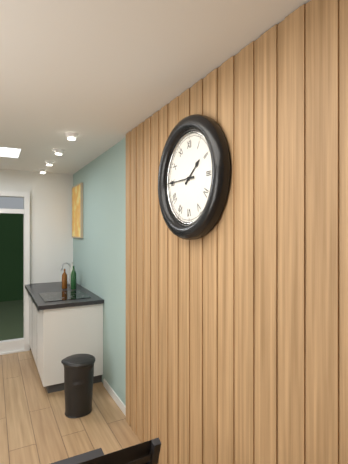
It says 1 h 45 min
